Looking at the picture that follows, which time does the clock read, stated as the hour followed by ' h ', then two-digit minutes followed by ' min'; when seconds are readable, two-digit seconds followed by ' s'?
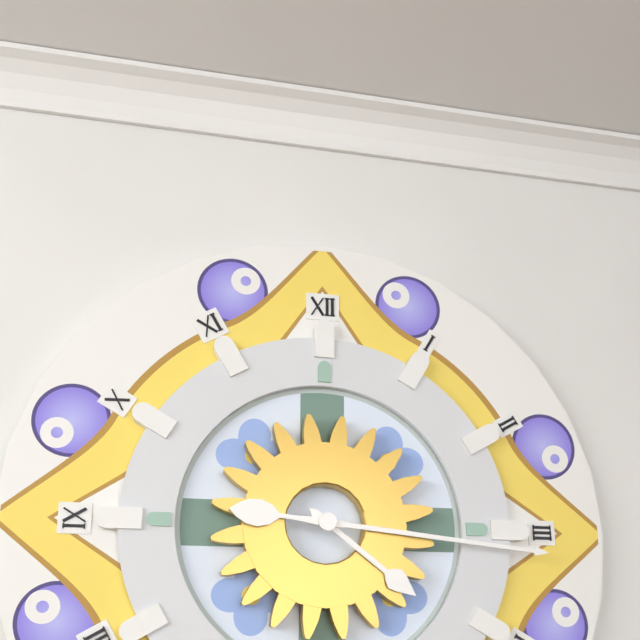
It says 4 h 16 min
